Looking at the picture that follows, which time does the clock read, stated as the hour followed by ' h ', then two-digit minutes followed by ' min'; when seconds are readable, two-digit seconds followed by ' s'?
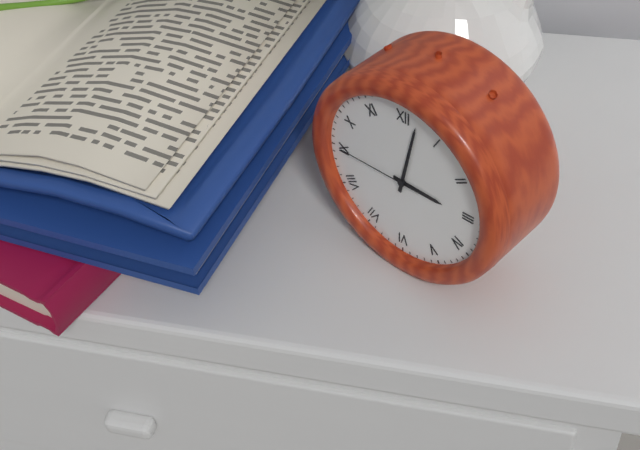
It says 3 h 02 min 45 s
